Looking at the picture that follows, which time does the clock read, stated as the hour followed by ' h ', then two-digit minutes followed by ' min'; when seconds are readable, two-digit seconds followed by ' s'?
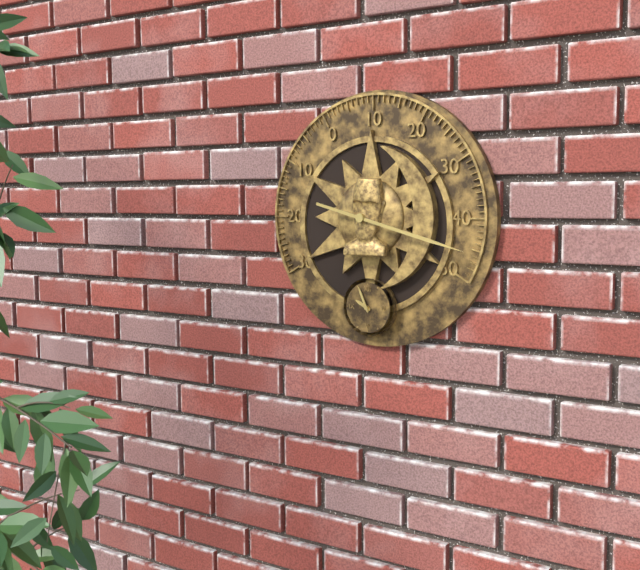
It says 9 h 56 min
